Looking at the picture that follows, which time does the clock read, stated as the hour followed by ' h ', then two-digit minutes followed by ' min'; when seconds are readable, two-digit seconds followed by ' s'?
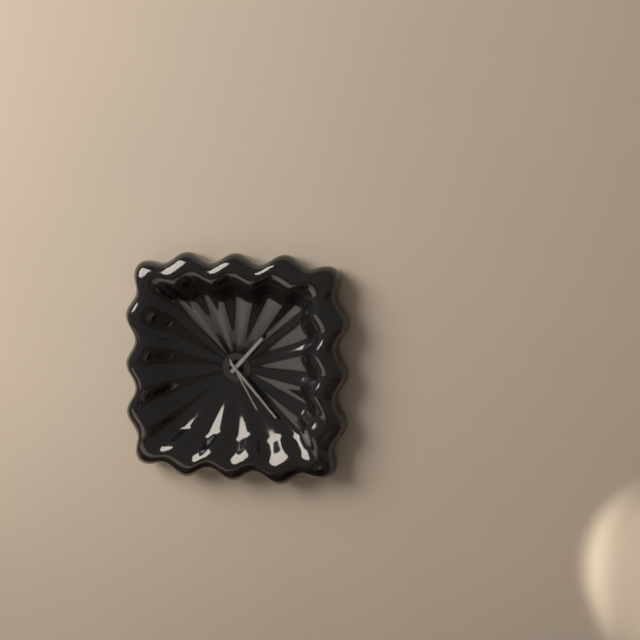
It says 1 h 23 min 25 s
